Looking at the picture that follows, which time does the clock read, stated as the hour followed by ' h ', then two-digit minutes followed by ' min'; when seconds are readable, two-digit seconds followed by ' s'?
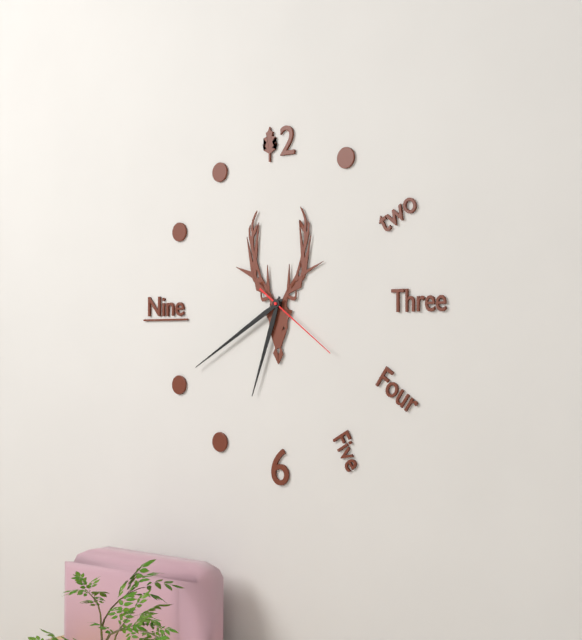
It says 6 h 40 min 21 s
